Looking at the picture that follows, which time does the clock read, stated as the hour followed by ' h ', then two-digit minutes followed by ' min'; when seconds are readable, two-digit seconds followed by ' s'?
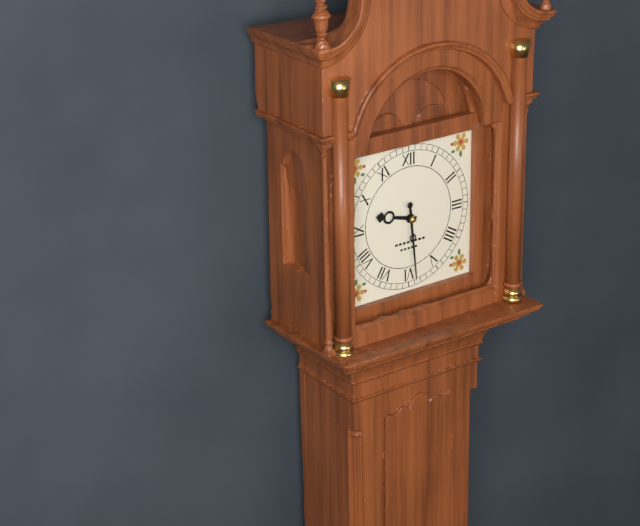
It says 9 h 29 min
